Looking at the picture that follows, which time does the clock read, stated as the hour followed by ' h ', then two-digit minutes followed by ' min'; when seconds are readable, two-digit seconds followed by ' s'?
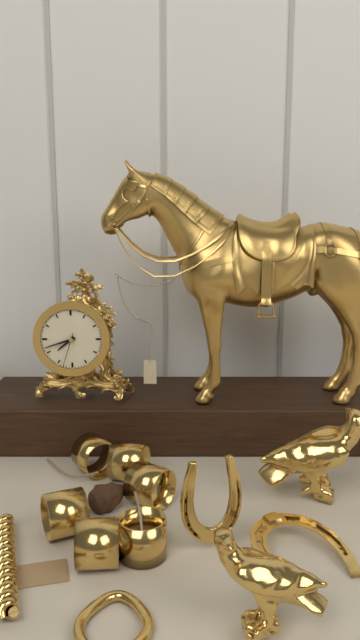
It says 7 h 42 min
